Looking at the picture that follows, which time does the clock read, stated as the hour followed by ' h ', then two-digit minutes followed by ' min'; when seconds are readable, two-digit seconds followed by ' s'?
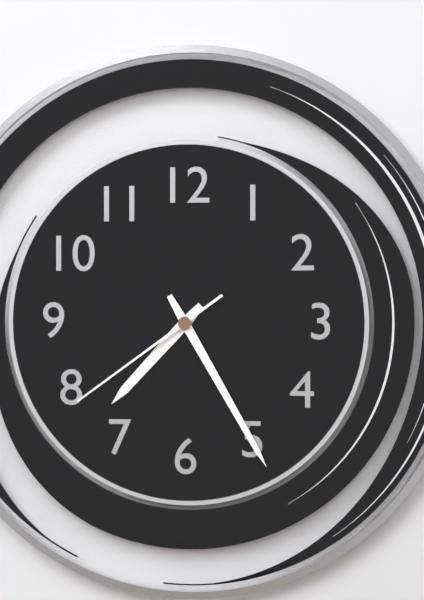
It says 7 h 25 min 39 s
